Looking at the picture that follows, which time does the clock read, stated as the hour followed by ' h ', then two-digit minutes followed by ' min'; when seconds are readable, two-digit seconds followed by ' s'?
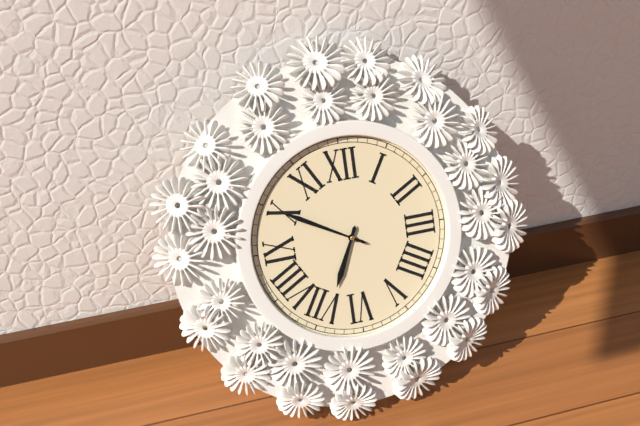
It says 6 h 50 min
